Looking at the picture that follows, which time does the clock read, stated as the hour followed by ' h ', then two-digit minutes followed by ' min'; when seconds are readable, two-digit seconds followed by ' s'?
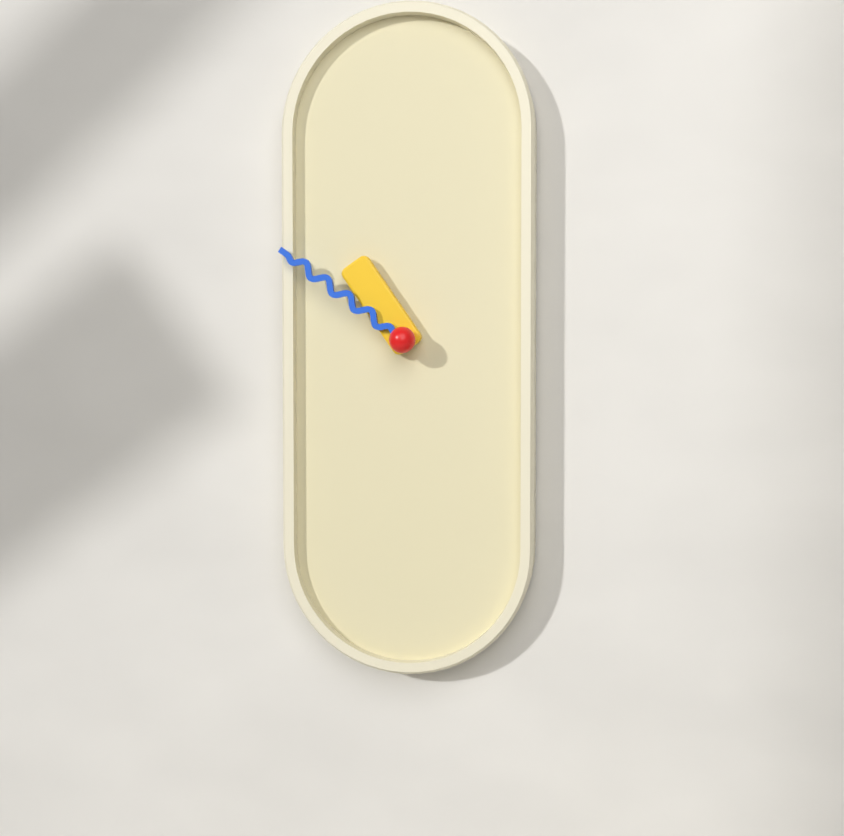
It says 10 h 51 min
